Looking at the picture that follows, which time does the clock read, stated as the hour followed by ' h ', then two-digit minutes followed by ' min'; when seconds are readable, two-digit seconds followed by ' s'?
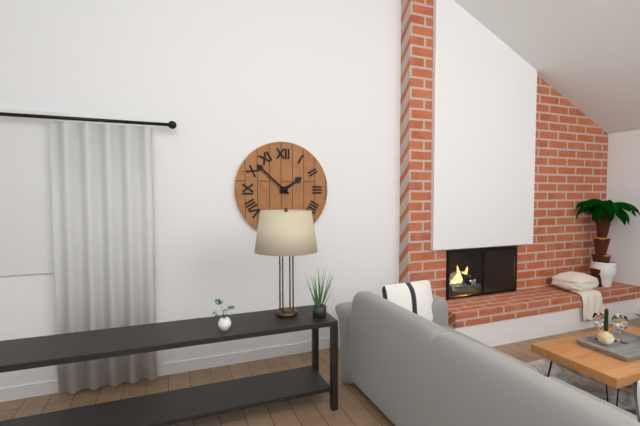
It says 1 h 52 min
